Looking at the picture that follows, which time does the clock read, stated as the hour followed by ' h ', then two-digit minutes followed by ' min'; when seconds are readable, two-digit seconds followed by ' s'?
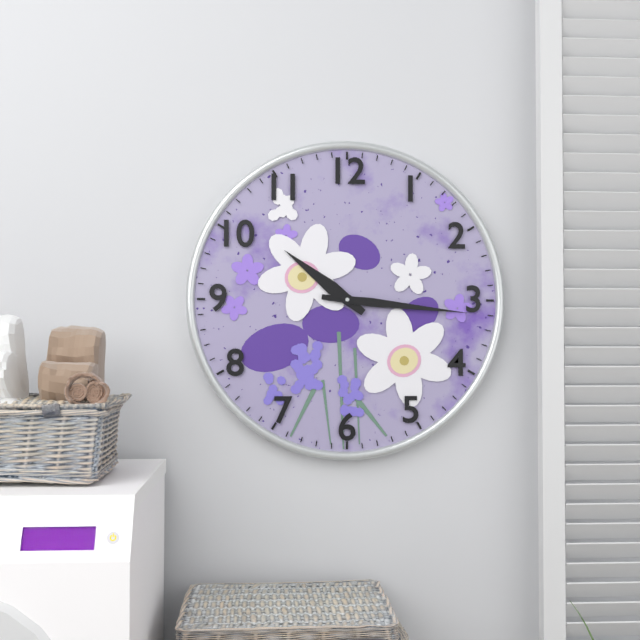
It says 10 h 16 min
